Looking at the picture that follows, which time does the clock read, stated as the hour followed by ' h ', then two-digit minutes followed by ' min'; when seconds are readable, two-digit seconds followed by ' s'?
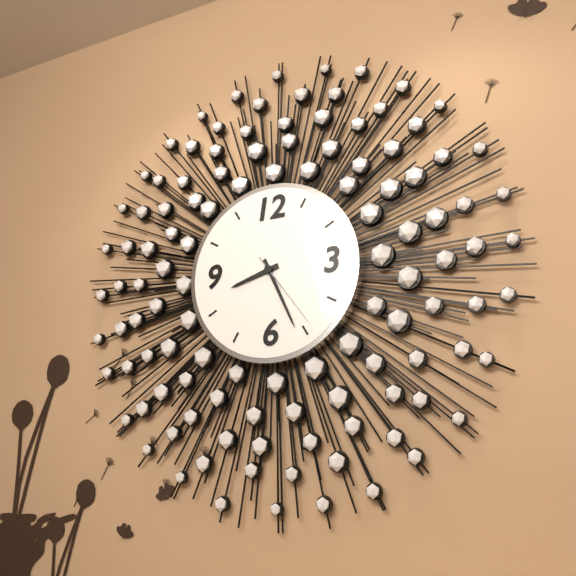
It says 8 h 26 min 24 s
